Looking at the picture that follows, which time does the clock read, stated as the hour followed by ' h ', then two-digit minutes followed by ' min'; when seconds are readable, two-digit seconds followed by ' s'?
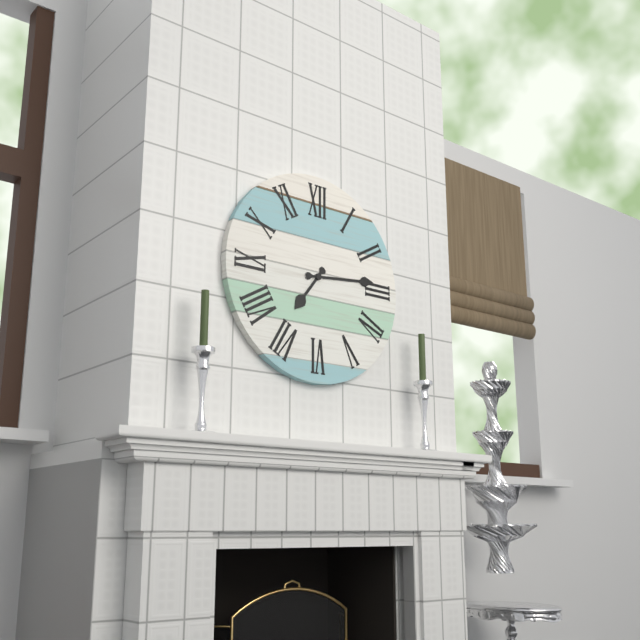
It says 7 h 14 min
